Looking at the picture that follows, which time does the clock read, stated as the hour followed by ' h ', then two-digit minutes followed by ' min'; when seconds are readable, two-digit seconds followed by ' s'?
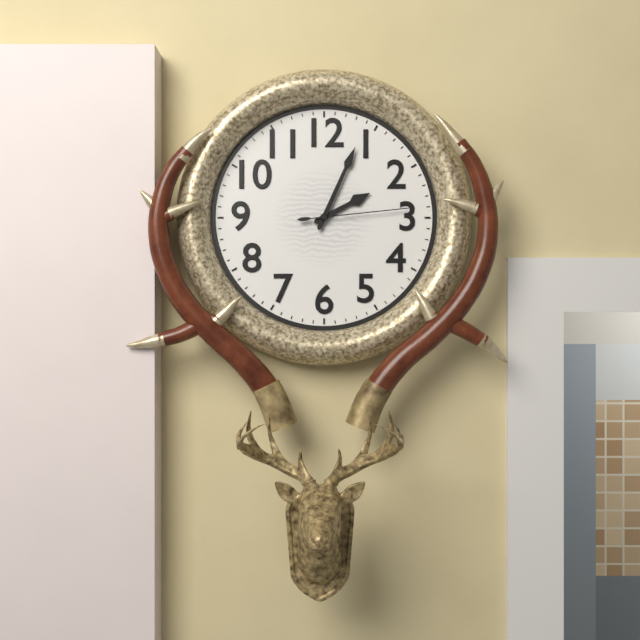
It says 2 h 04 min 14 s
